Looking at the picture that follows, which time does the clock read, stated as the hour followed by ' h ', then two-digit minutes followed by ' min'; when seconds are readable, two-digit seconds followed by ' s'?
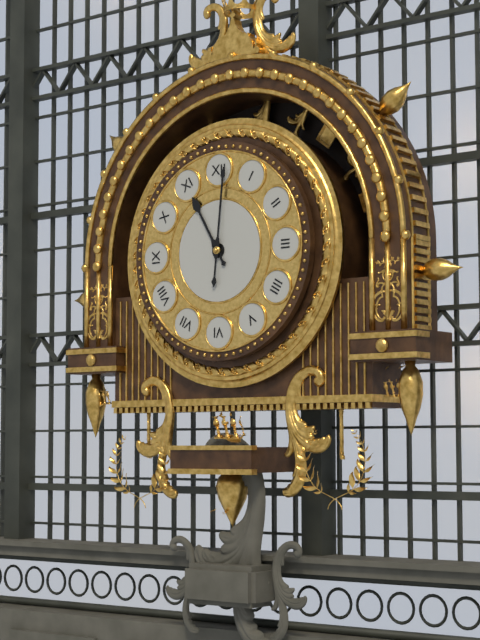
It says 11 h 01 min
